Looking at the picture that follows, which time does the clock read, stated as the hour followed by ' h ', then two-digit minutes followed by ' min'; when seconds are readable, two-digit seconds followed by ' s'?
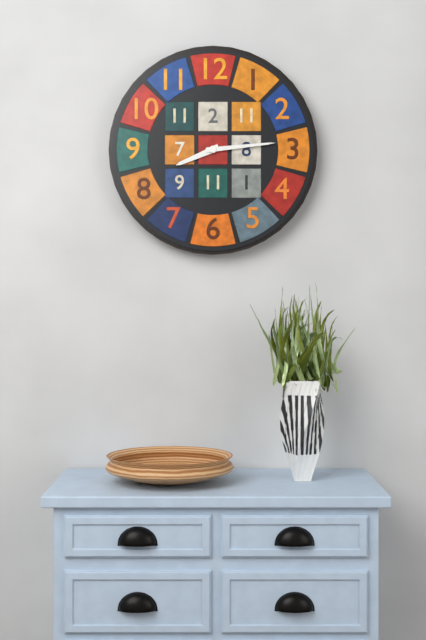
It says 8 h 14 min
